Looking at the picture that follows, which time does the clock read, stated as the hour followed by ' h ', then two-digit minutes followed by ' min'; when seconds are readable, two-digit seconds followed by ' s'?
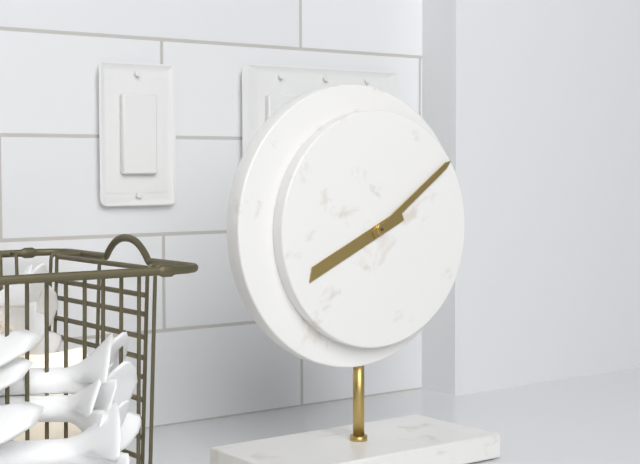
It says 8 h 09 min
